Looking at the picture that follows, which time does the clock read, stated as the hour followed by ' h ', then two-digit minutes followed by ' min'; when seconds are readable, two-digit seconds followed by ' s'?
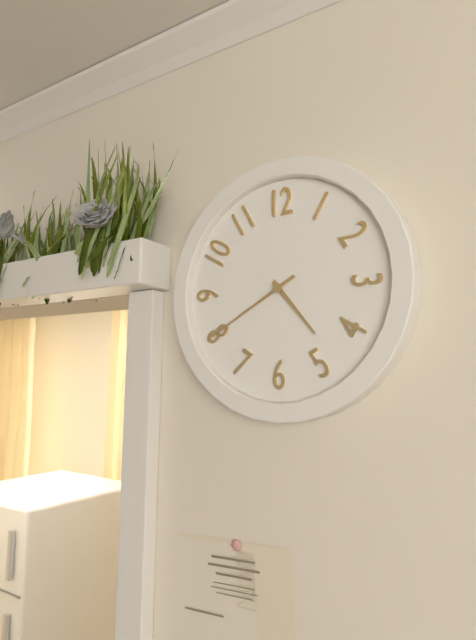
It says 4 h 40 min
